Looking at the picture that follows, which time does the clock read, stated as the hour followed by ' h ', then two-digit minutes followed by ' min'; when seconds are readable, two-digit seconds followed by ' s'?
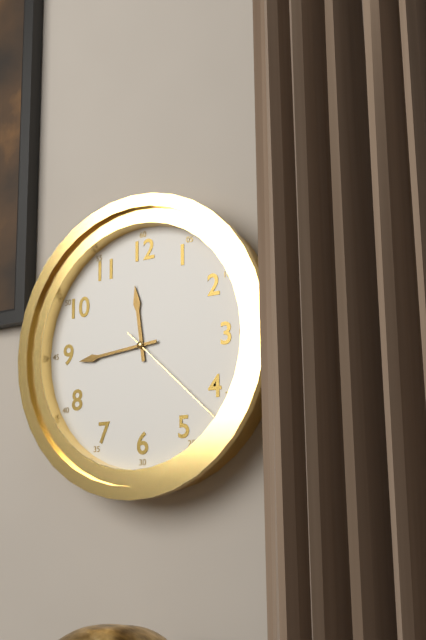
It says 11 h 44 min 22 s
